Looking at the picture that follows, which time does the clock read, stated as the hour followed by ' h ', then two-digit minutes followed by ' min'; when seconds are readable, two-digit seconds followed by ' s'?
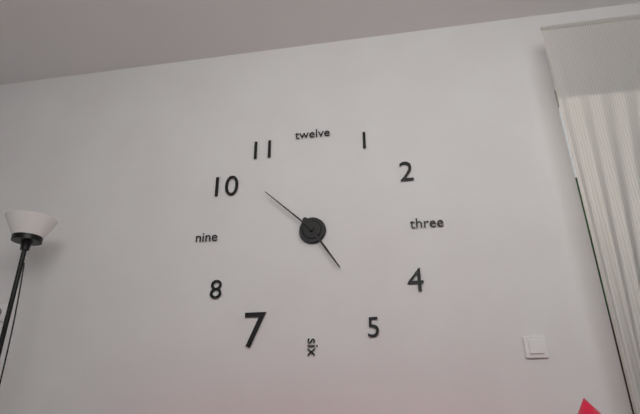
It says 4 h 52 min
